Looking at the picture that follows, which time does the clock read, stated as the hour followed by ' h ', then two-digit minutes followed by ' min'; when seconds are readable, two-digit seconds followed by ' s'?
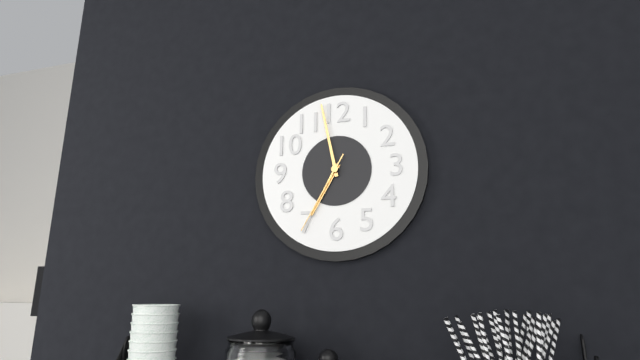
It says 6 h 58 min 35 s
